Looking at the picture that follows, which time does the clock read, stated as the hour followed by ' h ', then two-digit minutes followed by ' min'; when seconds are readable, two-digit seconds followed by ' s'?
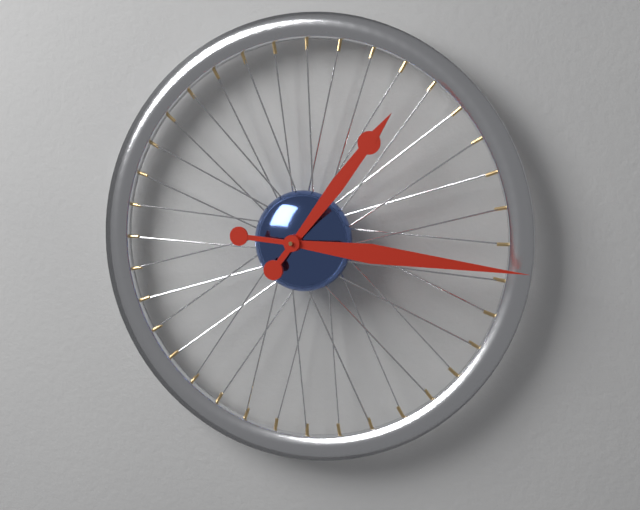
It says 1 h 16 min
